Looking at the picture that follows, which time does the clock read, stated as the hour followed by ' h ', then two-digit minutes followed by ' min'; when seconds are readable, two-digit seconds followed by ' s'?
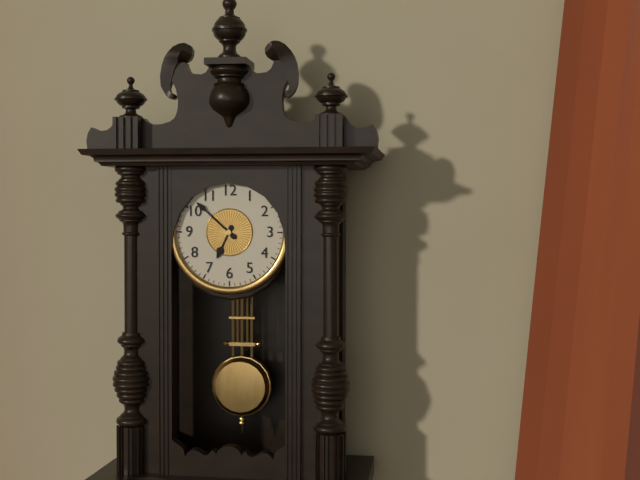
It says 6 h 52 min
